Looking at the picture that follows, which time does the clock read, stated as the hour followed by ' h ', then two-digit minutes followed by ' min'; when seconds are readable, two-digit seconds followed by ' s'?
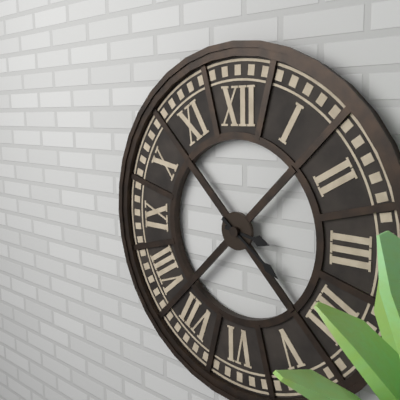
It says 3 h 21 min
